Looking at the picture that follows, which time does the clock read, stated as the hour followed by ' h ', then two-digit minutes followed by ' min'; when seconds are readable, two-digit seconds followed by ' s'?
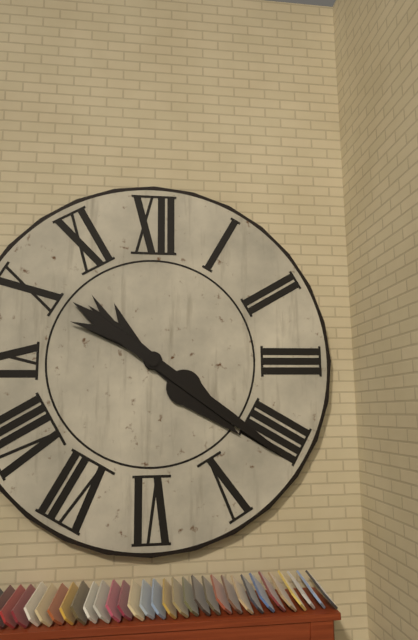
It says 4 h 21 min
